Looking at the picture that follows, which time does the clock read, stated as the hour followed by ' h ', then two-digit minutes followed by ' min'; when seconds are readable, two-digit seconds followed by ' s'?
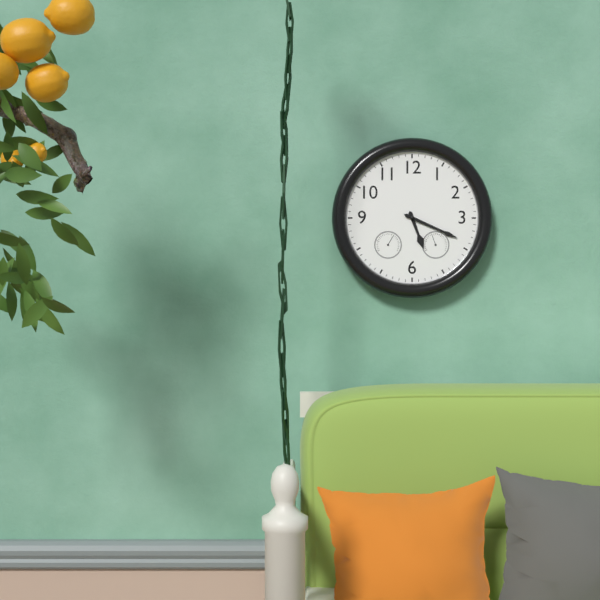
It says 5 h 19 min
